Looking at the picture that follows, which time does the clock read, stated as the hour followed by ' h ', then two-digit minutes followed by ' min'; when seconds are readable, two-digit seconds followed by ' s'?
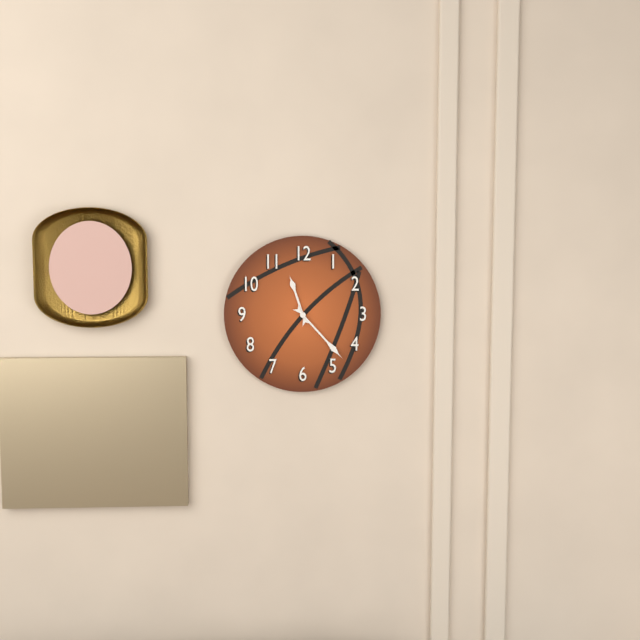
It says 11 h 23 min
